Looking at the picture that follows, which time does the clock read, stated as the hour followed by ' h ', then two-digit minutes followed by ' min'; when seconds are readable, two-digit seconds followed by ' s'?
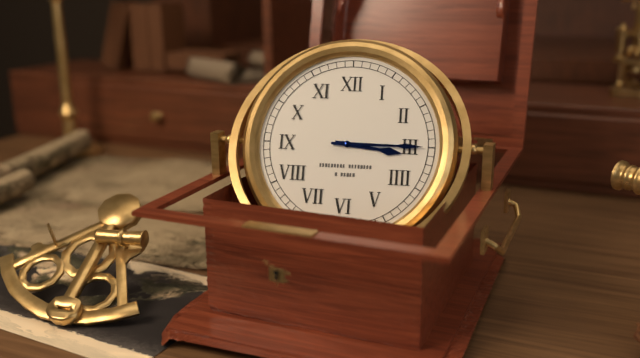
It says 3 h 15 min
